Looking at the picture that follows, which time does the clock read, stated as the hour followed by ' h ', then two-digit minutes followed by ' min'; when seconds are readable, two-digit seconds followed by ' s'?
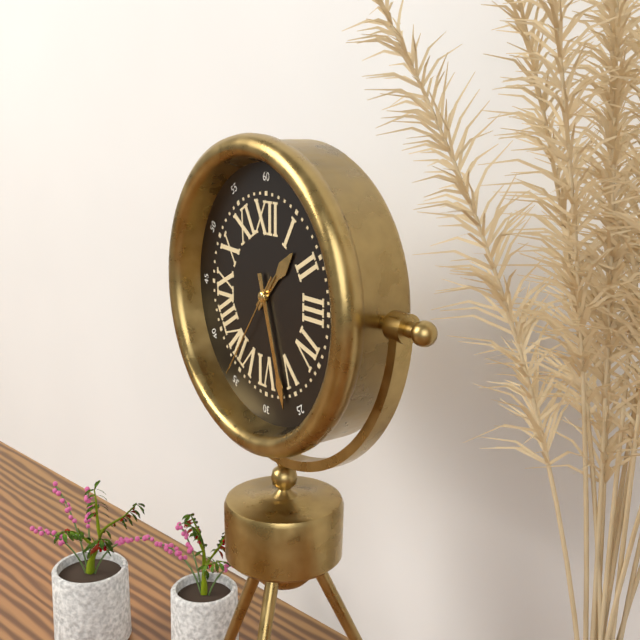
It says 1 h 27 min 36 s
